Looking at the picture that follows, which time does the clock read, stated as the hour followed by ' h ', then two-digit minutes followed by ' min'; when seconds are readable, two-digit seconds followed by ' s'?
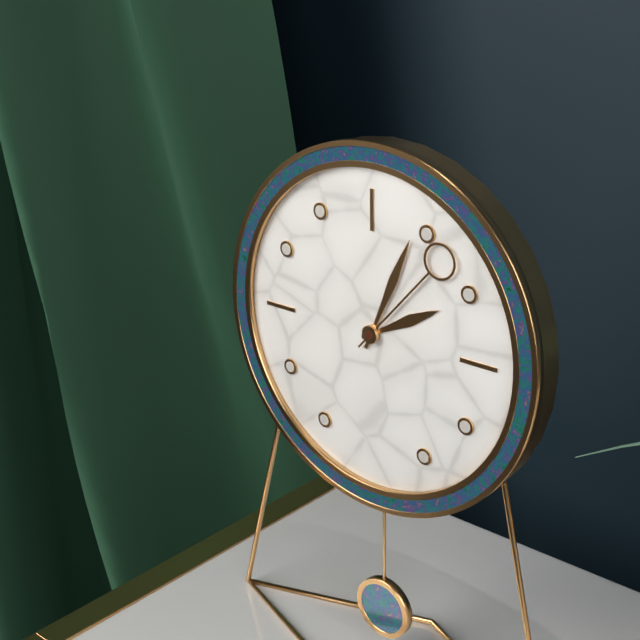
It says 2 h 04 min 07 s
